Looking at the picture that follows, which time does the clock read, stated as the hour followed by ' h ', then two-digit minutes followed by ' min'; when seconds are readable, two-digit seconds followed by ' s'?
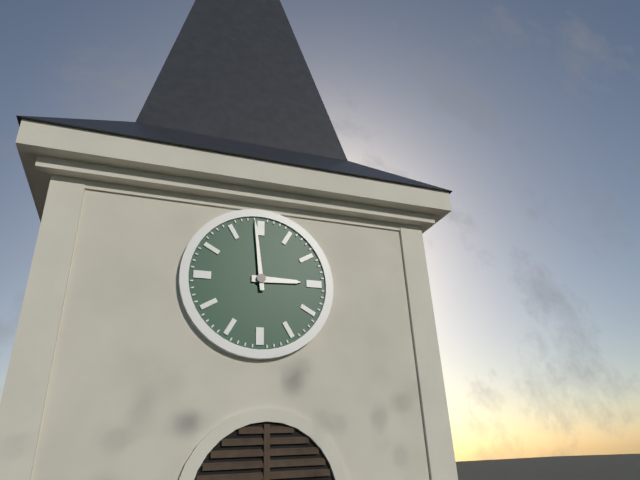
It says 2 h 59 min
